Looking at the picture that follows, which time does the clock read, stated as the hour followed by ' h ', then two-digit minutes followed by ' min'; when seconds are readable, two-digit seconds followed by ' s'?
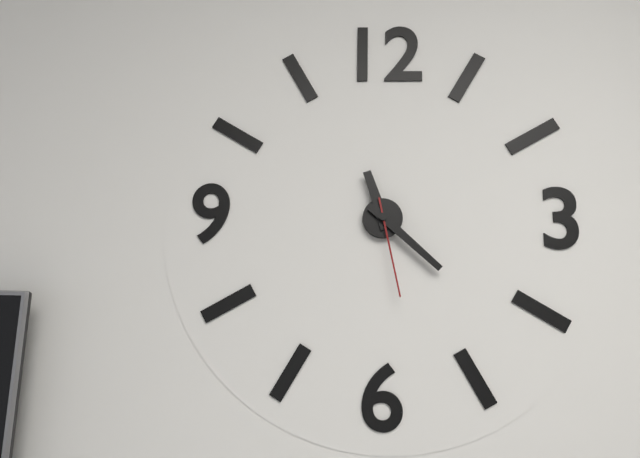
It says 11 h 22 min 28 s
